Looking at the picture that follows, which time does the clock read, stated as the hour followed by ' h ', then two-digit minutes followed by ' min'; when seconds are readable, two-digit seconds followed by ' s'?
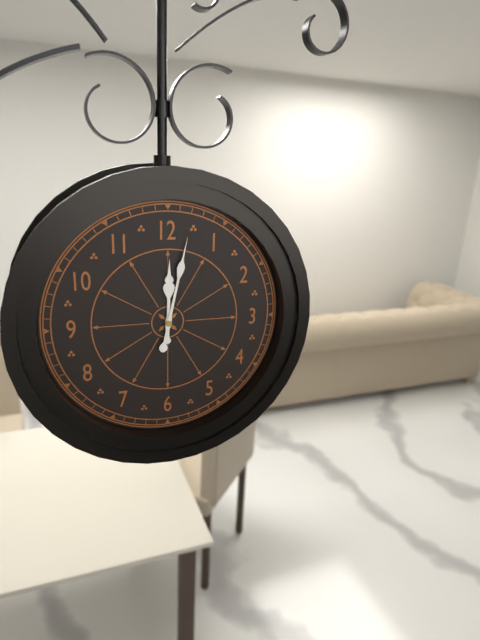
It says 12 h 02 min
